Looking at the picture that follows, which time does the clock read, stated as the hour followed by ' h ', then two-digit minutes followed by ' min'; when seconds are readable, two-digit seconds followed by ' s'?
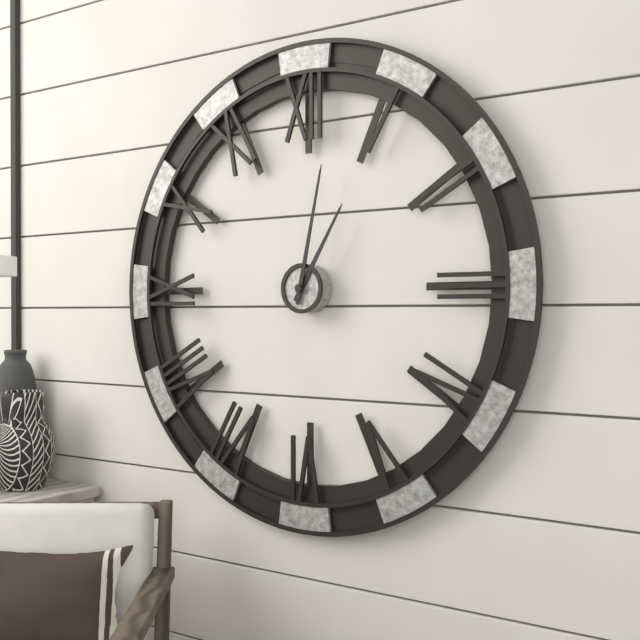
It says 1 h 02 min
